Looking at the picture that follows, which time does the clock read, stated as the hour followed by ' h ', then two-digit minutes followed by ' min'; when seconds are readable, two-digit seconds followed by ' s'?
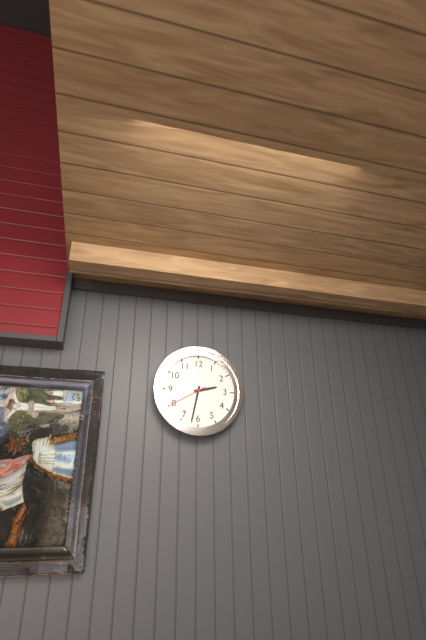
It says 2 h 32 min
